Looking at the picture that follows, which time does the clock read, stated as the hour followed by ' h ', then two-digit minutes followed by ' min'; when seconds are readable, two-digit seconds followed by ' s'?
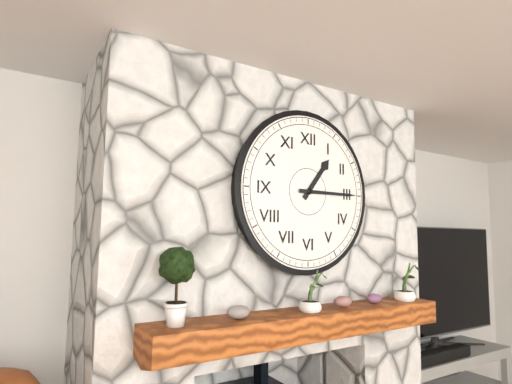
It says 1 h 15 min
